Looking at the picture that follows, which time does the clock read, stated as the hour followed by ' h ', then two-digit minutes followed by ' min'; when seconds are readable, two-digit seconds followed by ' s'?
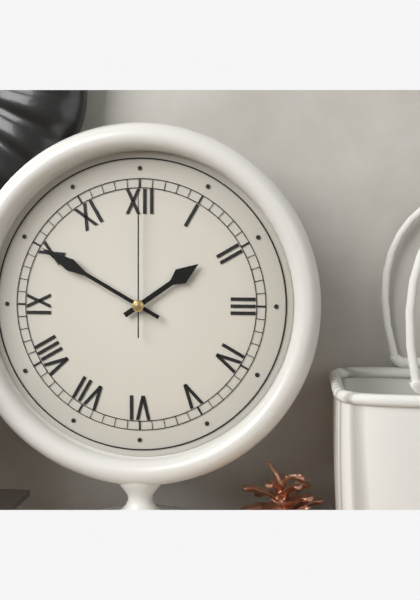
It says 1 h 50 min 00 s
